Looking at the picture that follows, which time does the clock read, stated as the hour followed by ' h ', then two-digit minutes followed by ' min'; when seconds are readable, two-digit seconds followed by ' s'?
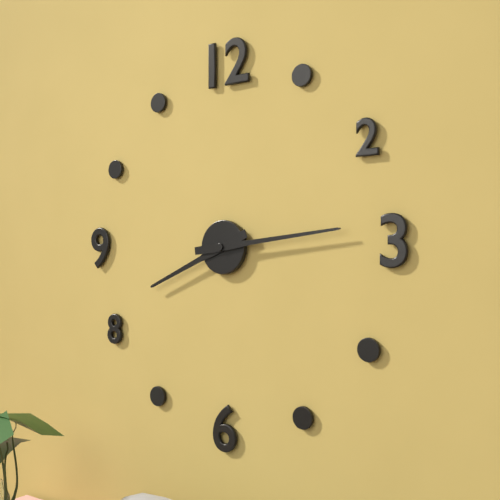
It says 8 h 14 min
